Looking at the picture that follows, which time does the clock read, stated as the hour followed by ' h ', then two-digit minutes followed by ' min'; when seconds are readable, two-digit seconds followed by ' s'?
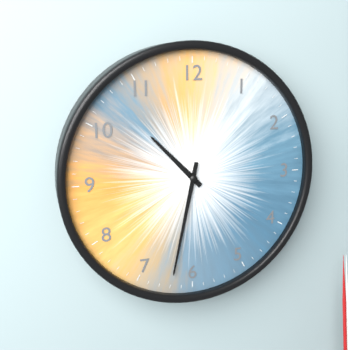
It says 10 h 32 min
